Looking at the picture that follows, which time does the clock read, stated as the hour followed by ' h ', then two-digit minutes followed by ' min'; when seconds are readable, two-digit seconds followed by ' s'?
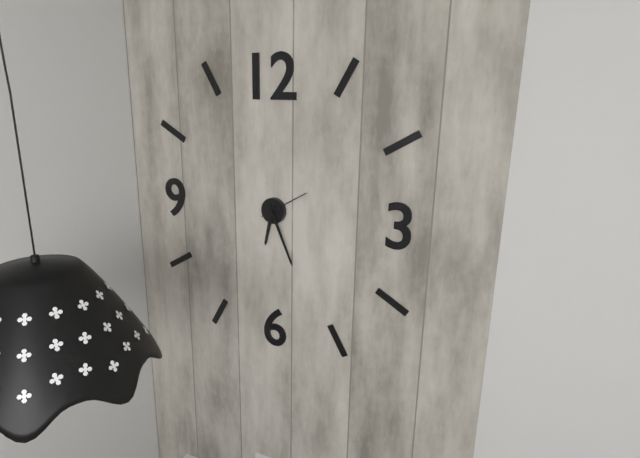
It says 6 h 26 min
